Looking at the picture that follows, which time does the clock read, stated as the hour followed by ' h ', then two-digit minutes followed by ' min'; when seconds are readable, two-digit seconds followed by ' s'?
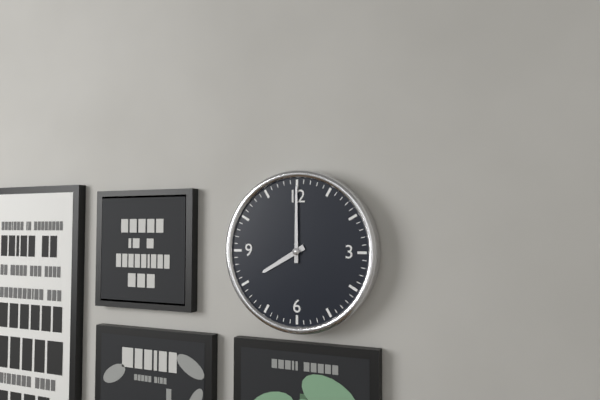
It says 8 h 00 min
